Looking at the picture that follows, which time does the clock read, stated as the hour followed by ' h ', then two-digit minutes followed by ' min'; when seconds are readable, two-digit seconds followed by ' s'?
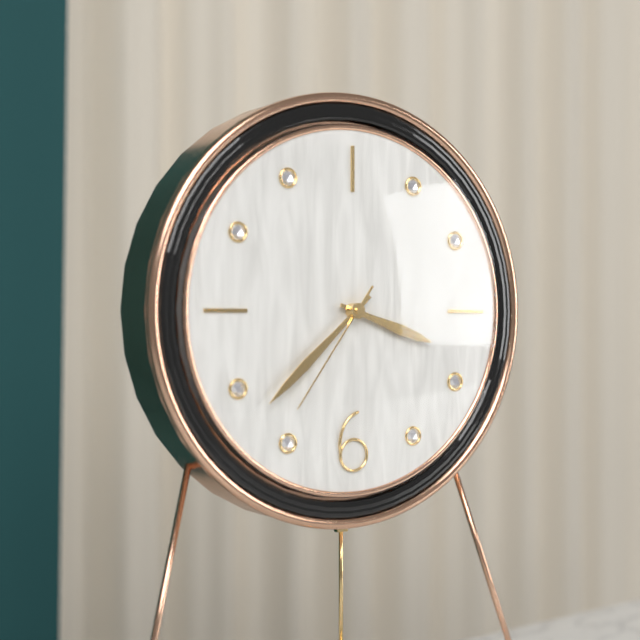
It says 3 h 38 min 36 s
